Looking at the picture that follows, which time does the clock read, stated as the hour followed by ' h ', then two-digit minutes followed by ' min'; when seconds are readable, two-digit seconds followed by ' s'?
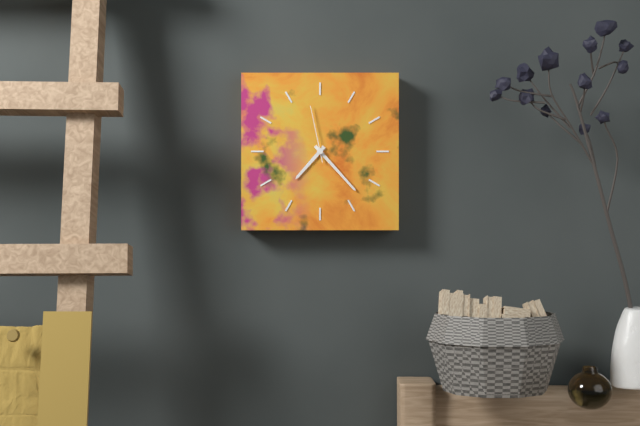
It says 7 h 23 min 58 s
